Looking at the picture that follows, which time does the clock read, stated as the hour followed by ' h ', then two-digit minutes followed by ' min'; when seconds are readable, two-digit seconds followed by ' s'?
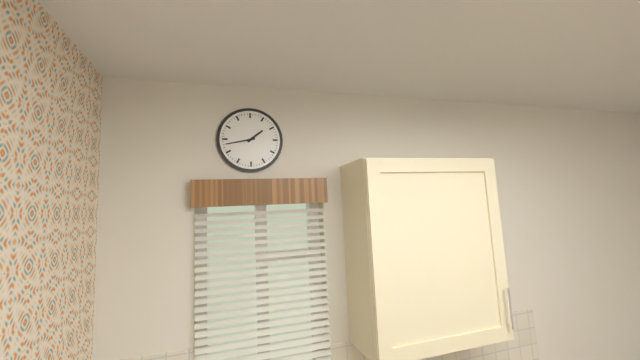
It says 1 h 43 min
